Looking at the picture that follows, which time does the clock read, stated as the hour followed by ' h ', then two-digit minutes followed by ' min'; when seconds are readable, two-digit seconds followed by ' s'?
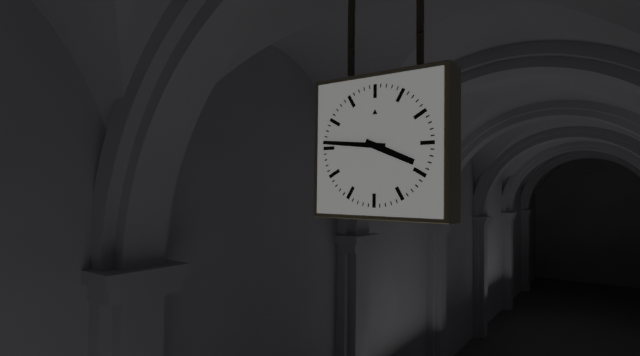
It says 3 h 46 min
